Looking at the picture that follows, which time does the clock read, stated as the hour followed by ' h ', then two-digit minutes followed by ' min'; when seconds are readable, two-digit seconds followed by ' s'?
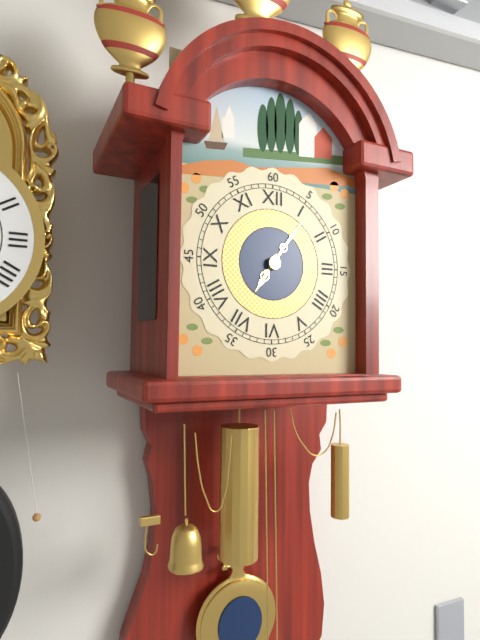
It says 7 h 06 min
